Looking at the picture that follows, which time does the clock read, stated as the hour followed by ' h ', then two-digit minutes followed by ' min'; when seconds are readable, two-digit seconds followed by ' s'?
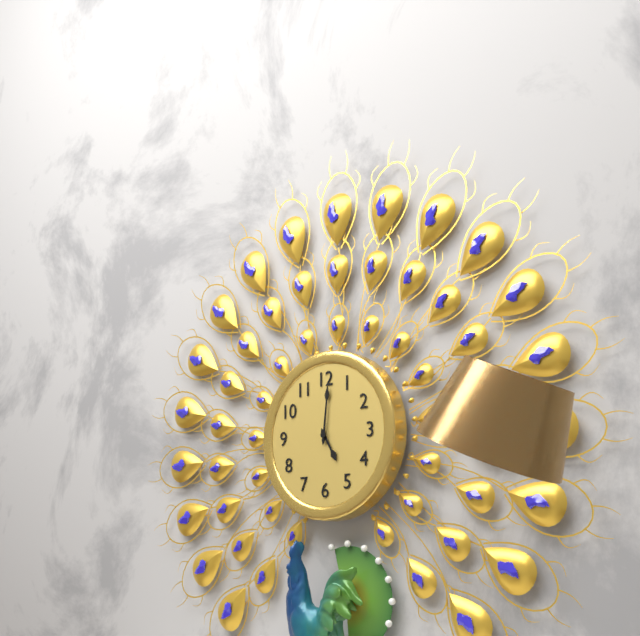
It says 5 h 01 min
